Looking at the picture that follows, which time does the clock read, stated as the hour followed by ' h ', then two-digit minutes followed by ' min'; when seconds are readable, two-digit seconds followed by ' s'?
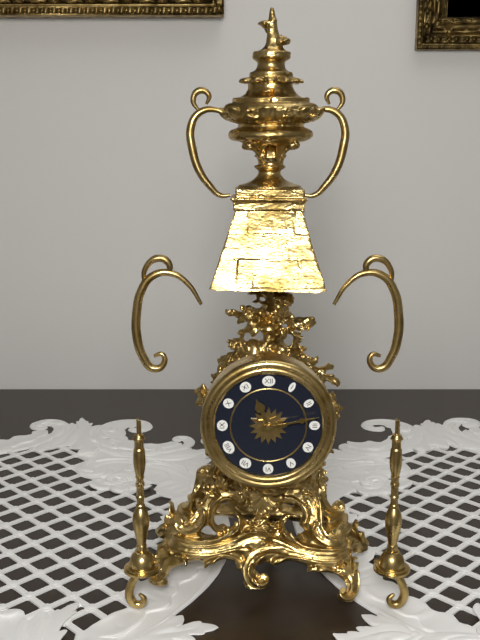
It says 11 h 13 min
